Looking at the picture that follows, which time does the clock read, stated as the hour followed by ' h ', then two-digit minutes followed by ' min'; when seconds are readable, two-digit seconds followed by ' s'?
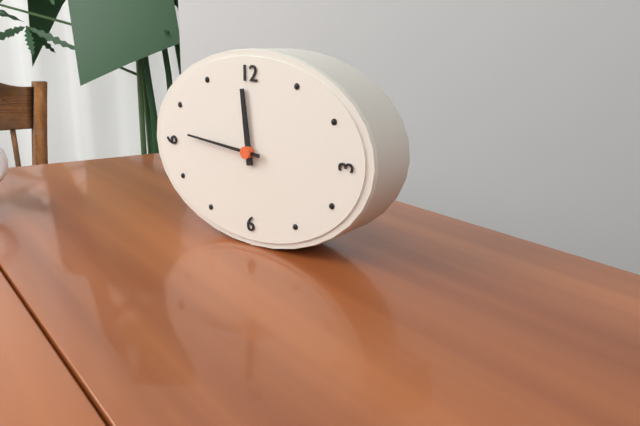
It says 11 h 46 min
